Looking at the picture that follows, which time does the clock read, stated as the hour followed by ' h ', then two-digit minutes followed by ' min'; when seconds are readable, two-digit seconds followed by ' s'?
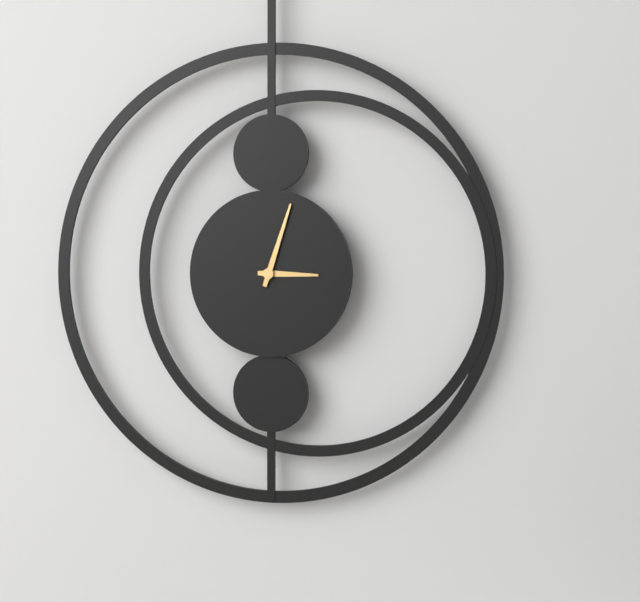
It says 3 h 03 min
